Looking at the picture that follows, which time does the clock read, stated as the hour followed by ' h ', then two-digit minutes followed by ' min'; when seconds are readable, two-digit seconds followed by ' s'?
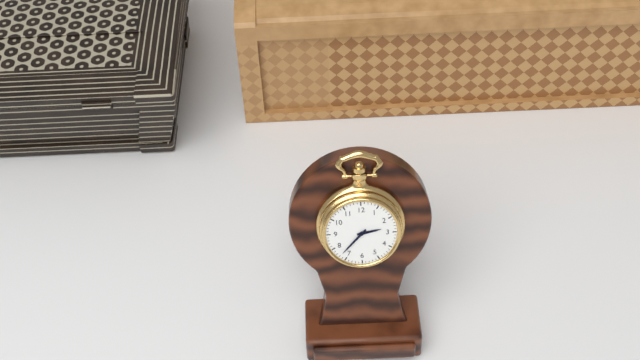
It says 2 h 37 min
